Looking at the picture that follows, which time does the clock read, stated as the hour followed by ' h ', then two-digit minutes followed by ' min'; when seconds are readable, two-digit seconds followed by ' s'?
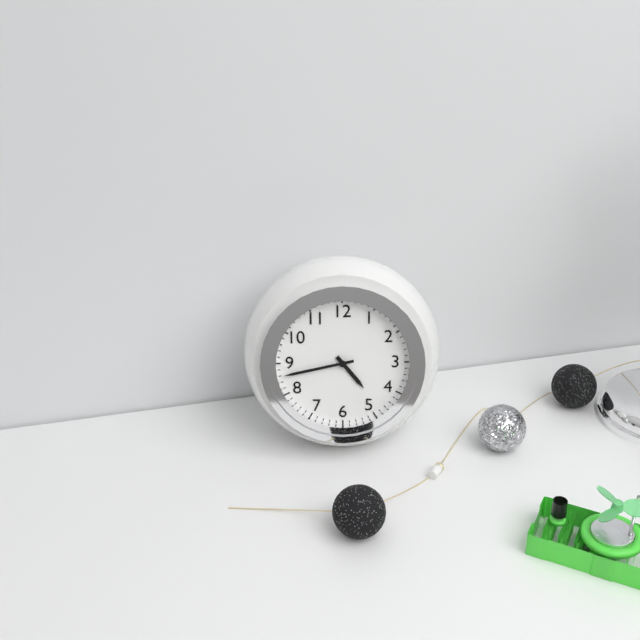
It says 4 h 43 min
